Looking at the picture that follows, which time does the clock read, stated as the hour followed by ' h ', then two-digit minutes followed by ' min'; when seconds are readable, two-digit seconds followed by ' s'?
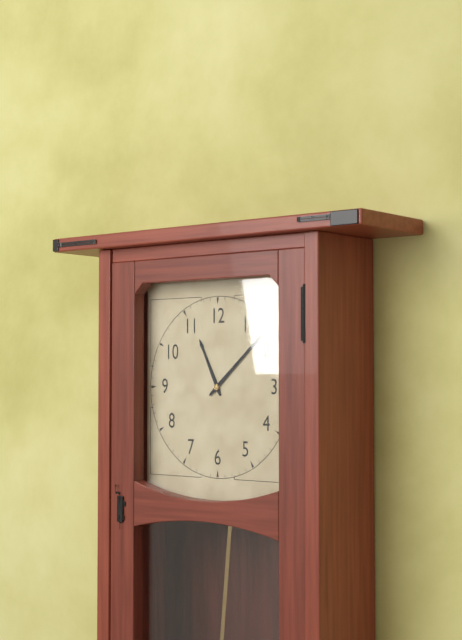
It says 11 h 08 min
